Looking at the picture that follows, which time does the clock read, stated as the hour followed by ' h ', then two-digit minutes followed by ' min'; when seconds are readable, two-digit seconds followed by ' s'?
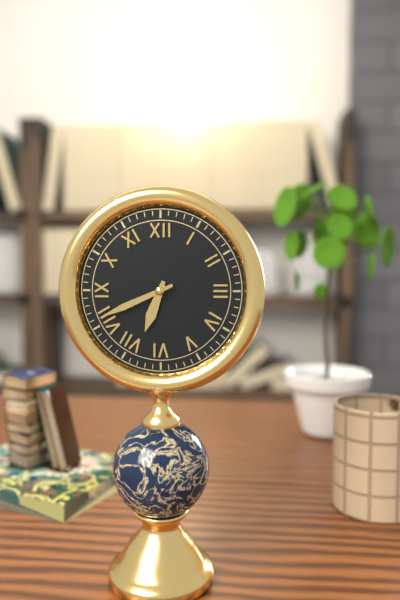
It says 6 h 41 min
